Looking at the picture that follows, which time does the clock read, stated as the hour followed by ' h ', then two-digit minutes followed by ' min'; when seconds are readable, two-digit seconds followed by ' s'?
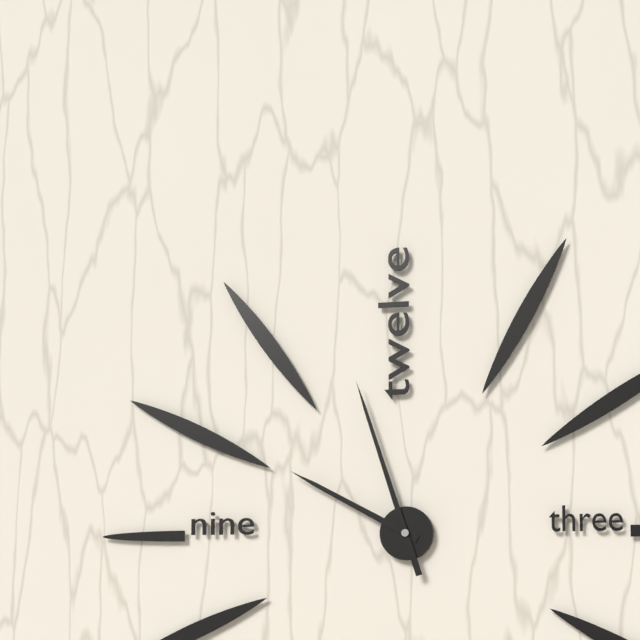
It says 9 h 57 min
